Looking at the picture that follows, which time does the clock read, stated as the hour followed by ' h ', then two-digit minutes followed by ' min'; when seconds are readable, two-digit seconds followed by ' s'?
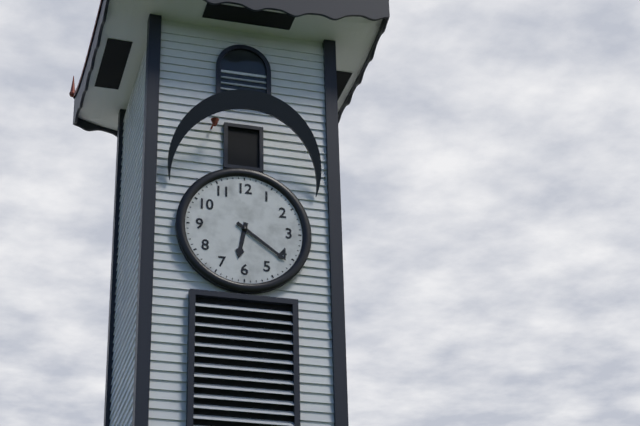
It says 6 h 21 min
